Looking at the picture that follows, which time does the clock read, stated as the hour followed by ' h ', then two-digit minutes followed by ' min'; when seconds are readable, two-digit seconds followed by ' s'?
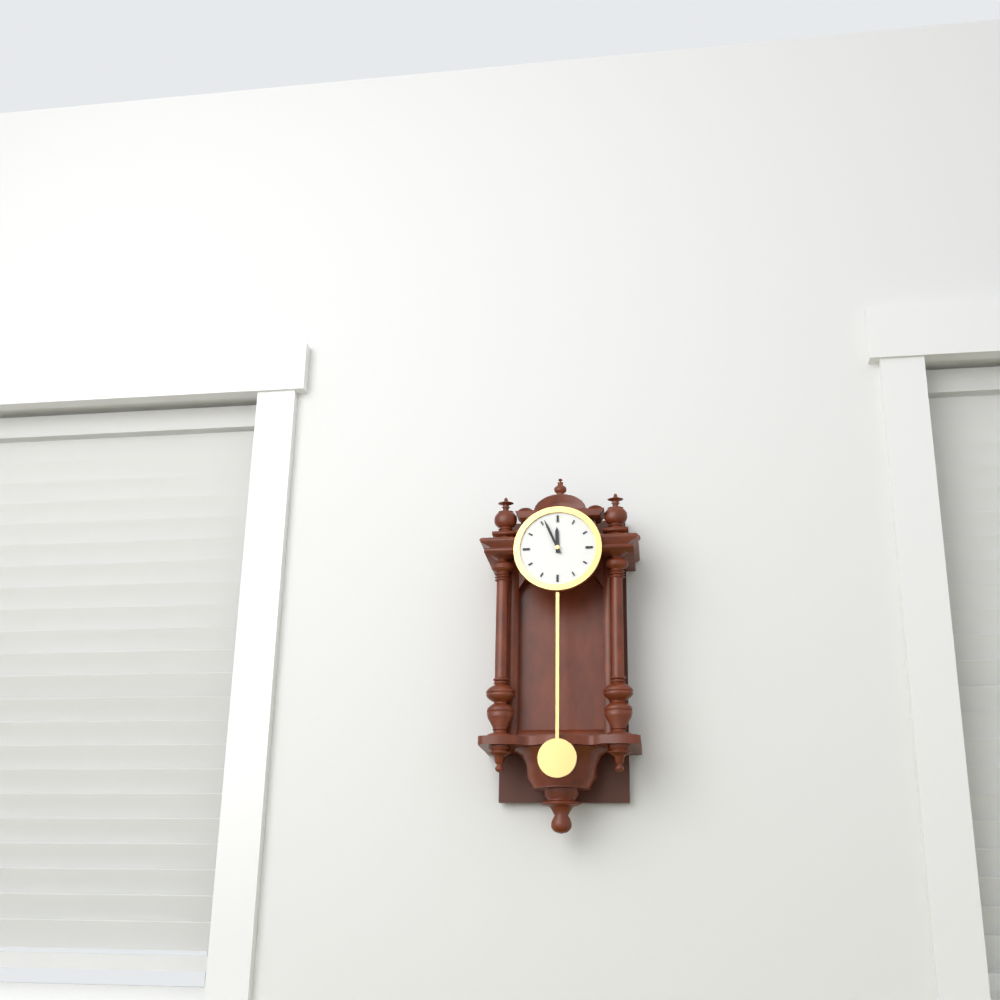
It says 11 h 56 min
